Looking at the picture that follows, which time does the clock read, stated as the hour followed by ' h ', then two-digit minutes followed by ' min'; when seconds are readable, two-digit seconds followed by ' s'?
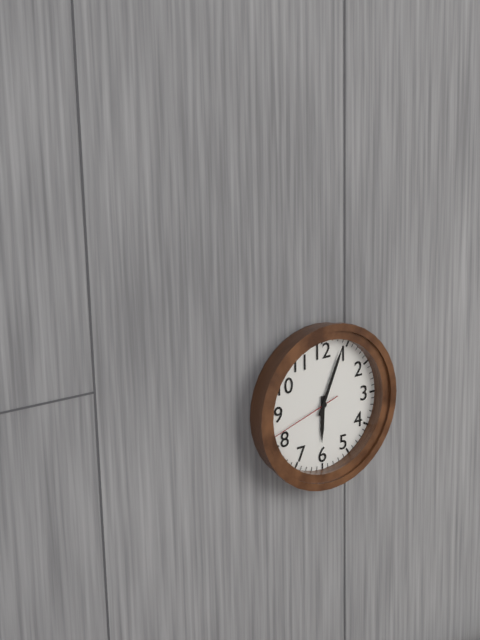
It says 6 h 04 min 42 s
